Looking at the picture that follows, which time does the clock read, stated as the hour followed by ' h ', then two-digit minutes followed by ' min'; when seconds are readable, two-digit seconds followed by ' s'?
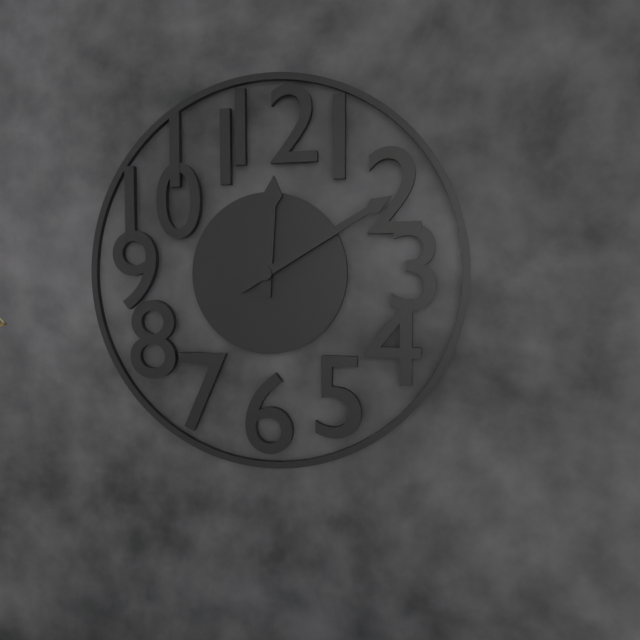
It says 12 h 10 min
